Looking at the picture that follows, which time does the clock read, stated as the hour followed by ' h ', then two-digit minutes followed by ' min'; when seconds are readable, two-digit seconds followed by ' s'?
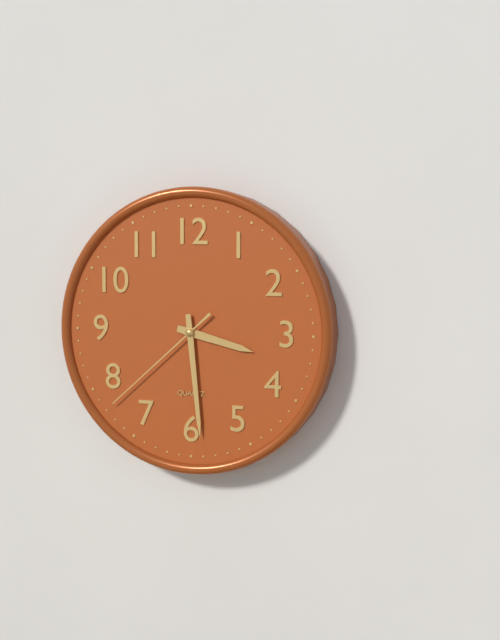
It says 3 h 29 min 38 s
